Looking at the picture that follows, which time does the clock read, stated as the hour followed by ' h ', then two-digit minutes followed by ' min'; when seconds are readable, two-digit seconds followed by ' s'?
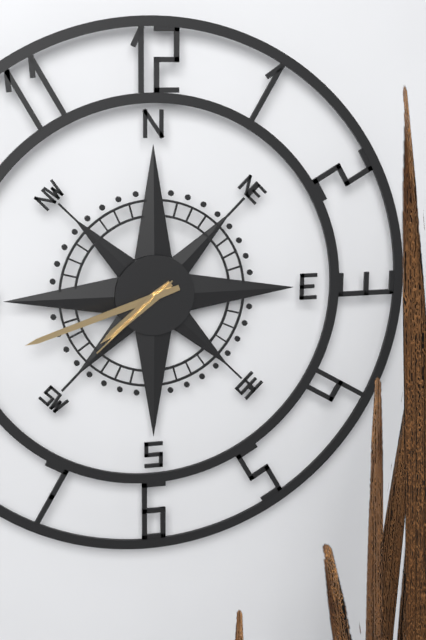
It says 7 h 42 min 38 s
